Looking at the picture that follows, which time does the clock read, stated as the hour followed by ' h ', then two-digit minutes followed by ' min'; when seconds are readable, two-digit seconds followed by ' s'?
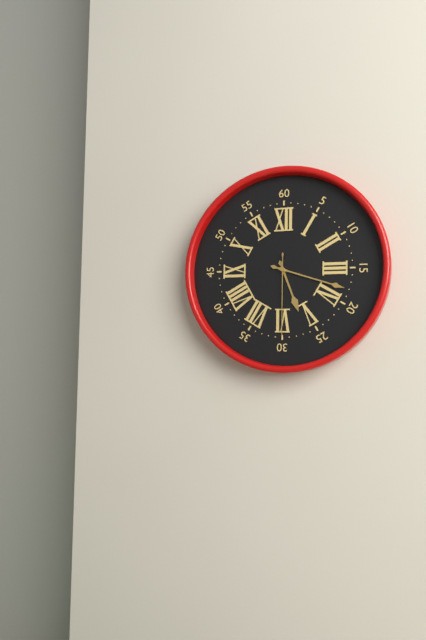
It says 5 h 18 min 30 s
